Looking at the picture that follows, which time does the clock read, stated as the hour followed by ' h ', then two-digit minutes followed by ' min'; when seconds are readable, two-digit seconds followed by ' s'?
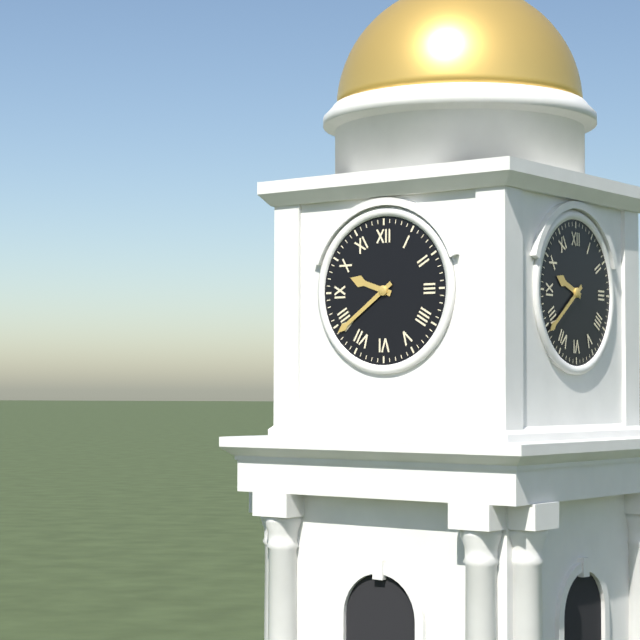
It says 9 h 39 min
